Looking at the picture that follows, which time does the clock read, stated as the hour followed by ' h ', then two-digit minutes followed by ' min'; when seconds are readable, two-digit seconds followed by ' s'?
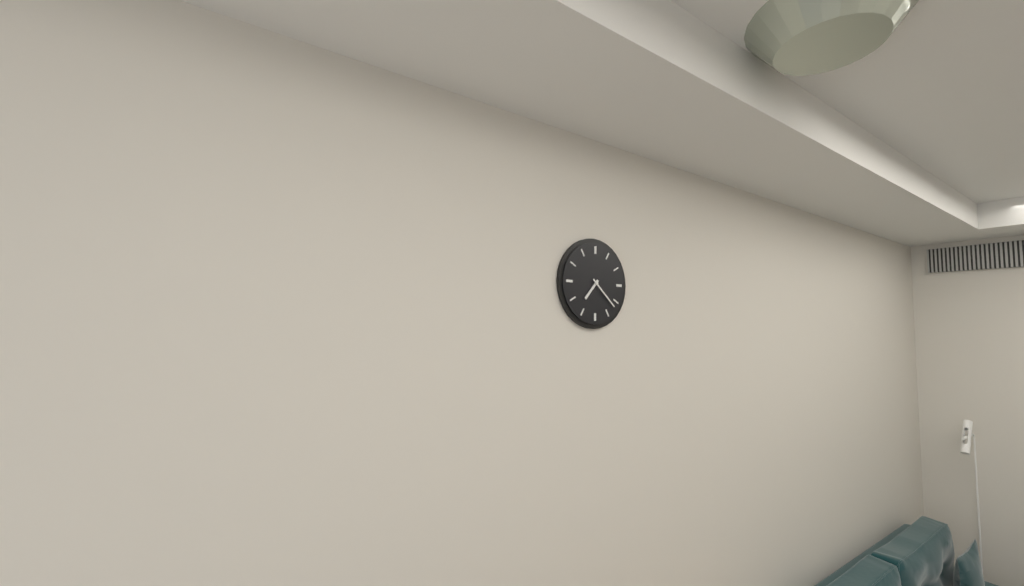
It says 7 h 22 min
